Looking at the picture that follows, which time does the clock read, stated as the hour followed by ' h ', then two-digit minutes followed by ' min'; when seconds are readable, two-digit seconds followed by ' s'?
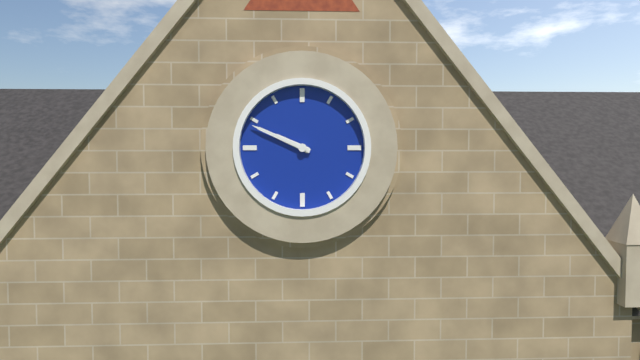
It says 9 h 49 min
